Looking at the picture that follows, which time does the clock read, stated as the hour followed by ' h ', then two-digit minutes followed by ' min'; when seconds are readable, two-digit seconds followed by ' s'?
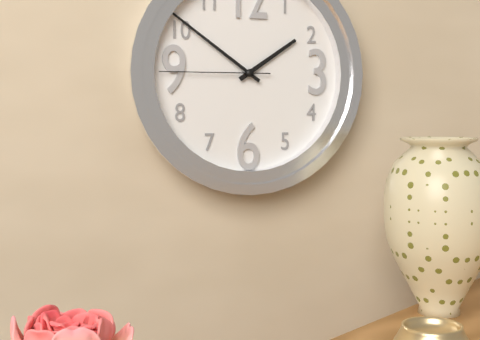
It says 1 h 51 min 45 s
